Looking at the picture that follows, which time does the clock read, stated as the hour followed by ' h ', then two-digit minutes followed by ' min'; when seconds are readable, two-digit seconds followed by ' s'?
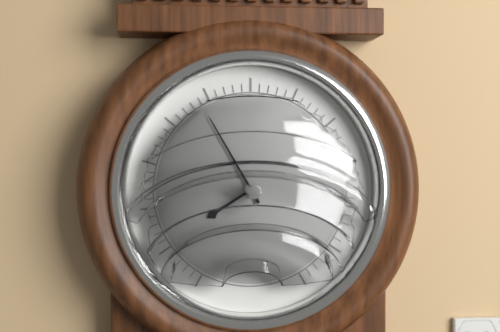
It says 7 h 55 min
